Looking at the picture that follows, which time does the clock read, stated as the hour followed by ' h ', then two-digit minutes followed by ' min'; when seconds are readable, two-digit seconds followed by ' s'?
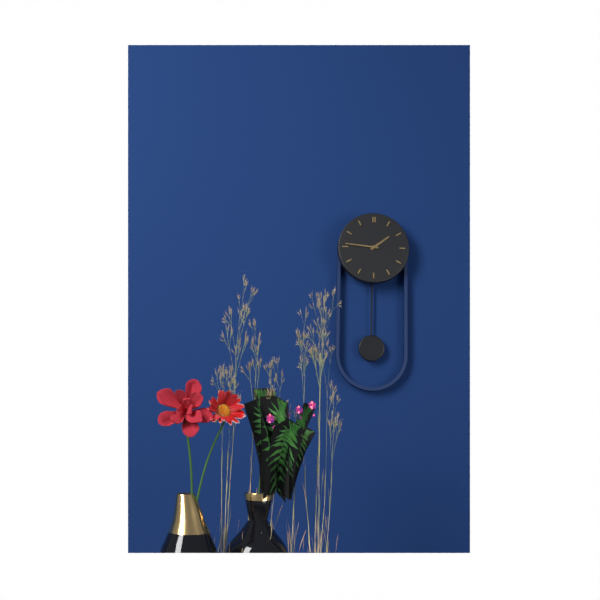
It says 1 h 46 min
